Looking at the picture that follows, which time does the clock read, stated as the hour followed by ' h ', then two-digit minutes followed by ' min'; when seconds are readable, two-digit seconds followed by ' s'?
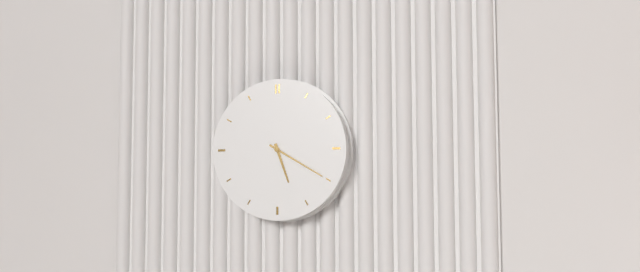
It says 5 h 20 min
